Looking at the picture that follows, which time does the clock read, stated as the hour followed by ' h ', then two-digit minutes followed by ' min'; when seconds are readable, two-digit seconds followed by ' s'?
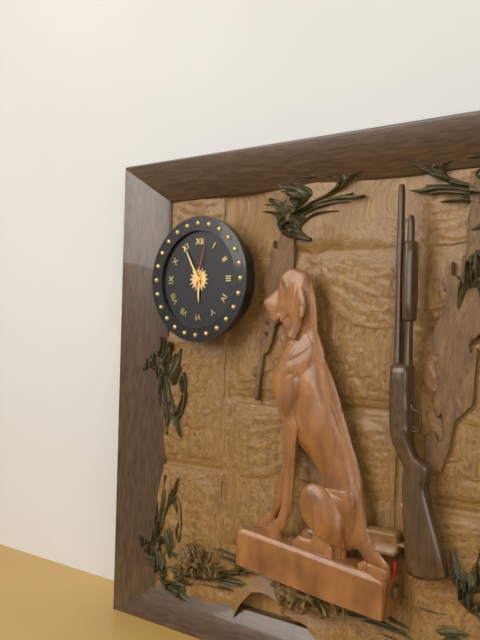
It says 5 h 55 min 02 s
